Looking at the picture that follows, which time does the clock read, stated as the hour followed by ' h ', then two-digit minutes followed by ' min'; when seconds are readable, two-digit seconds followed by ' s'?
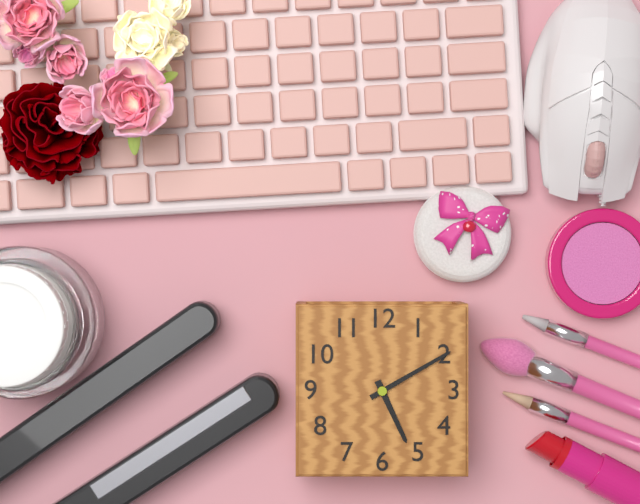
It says 5 h 10 min
